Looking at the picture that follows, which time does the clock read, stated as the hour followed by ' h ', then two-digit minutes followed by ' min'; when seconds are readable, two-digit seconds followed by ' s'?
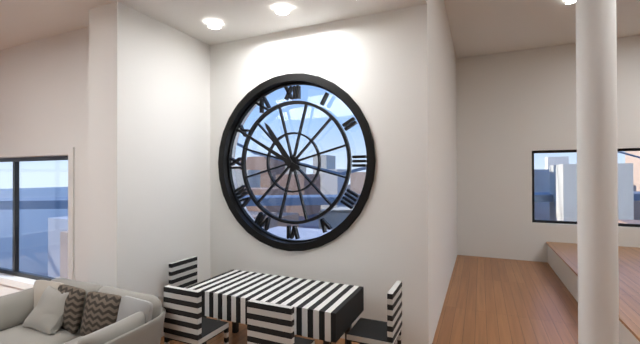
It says 10 h 50 min
